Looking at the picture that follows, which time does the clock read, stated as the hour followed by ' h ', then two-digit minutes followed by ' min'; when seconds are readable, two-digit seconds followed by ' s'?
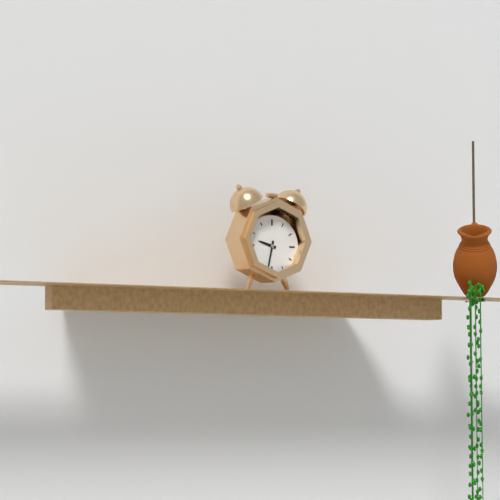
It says 9 h 32 min
